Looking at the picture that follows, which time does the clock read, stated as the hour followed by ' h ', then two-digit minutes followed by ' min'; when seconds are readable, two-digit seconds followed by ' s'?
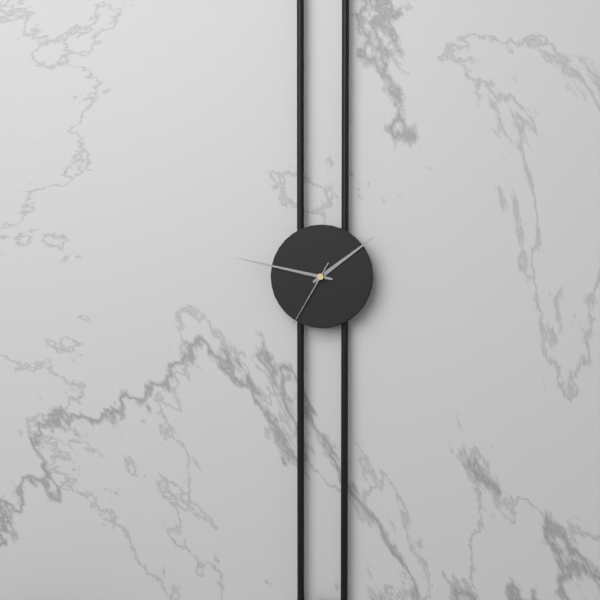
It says 1 h 47 min 35 s
